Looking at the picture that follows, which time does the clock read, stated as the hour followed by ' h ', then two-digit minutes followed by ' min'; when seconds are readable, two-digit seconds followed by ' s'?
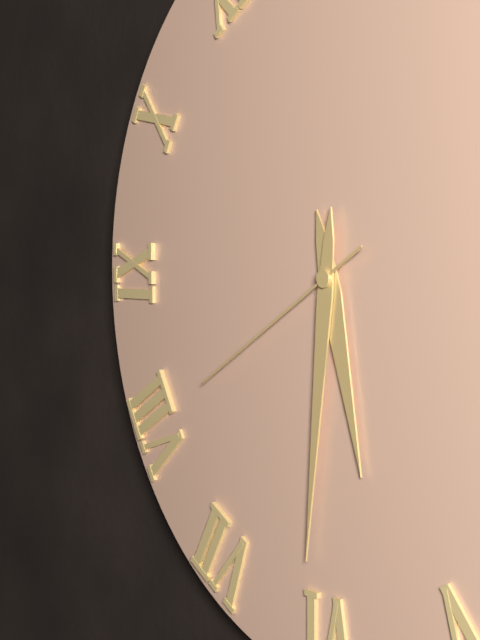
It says 5 h 31 min 40 s
